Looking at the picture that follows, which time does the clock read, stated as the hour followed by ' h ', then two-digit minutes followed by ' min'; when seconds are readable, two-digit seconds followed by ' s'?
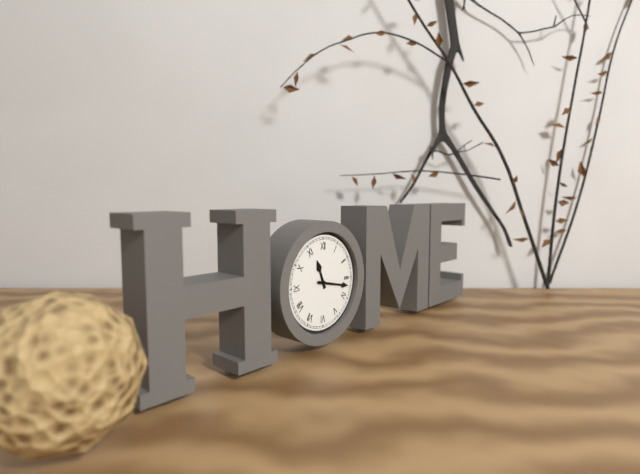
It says 11 h 17 min
